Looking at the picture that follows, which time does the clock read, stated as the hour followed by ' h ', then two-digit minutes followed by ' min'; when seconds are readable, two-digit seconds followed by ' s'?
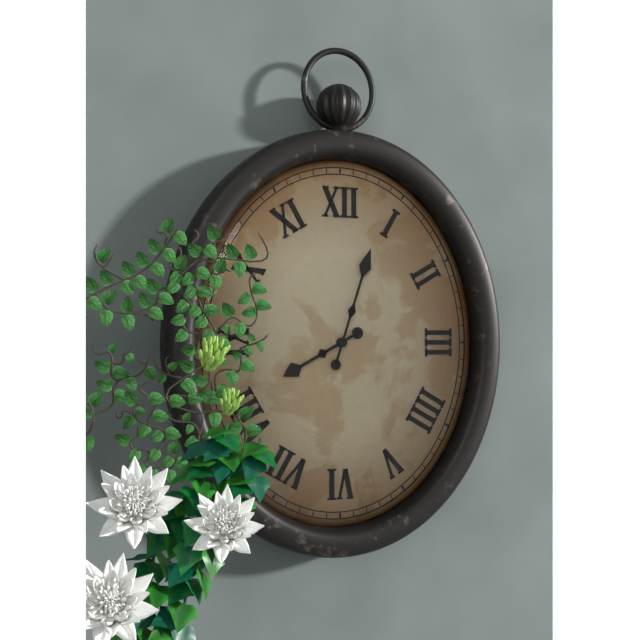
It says 8 h 03 min
